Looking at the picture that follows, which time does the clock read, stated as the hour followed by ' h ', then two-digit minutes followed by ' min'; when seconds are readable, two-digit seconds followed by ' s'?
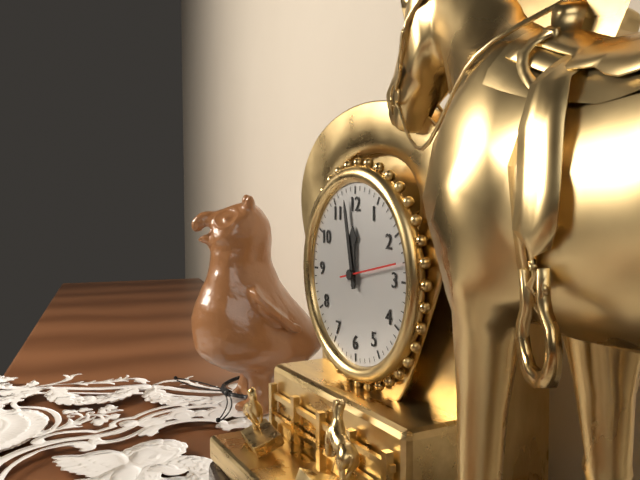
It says 11 h 58 min 13 s
